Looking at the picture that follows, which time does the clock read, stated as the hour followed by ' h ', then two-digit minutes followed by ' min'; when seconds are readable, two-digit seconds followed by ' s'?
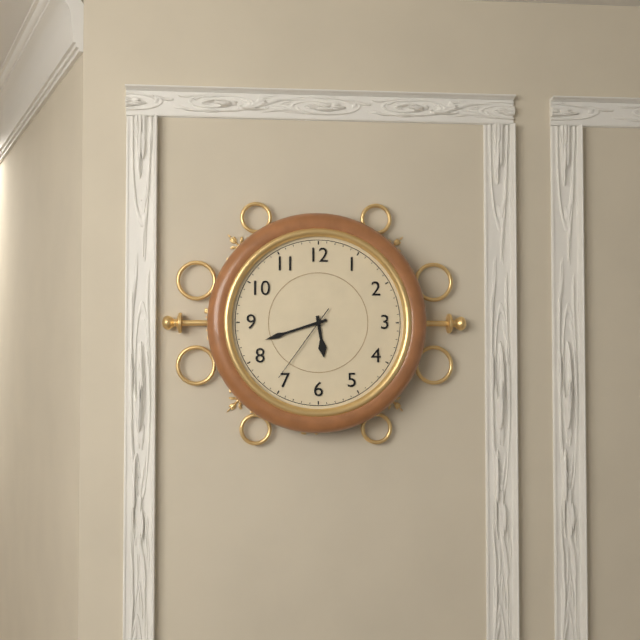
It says 5 h 42 min 36 s
